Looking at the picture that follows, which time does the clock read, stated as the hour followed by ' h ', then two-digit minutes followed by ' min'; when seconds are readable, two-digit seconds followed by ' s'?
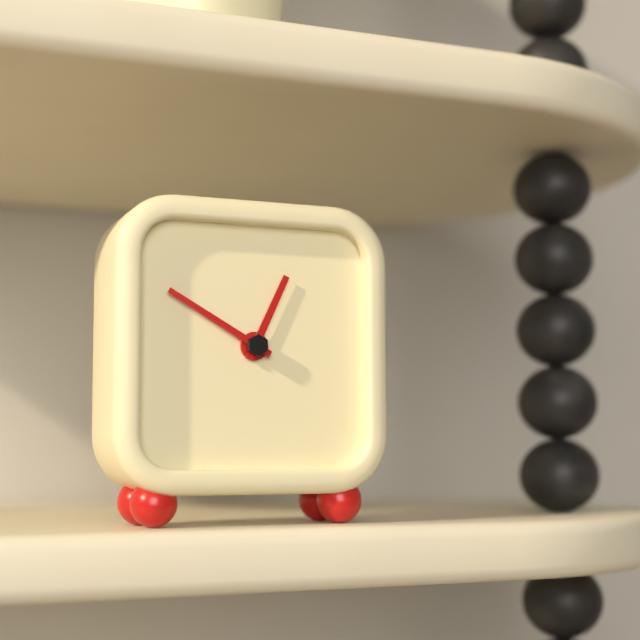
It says 12 h 50 min
